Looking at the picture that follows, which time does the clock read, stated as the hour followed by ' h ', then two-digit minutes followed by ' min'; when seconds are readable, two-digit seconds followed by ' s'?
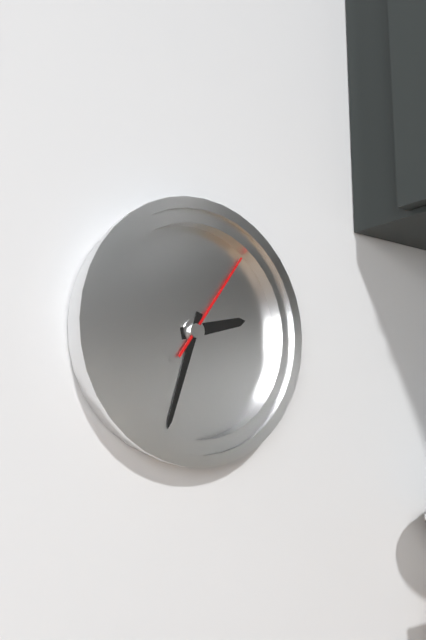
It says 2 h 33 min 06 s
